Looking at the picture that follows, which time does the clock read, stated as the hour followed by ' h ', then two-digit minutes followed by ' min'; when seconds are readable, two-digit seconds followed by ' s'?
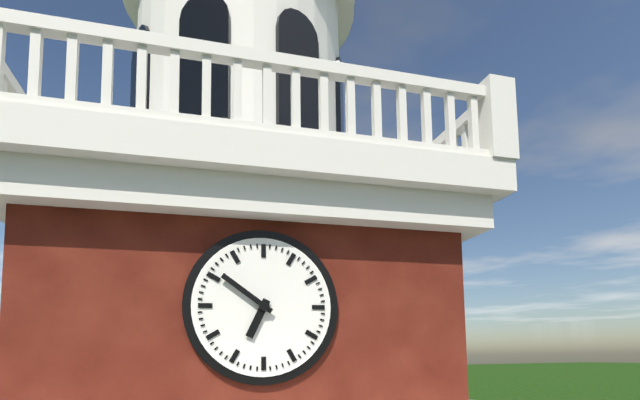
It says 6 h 51 min
